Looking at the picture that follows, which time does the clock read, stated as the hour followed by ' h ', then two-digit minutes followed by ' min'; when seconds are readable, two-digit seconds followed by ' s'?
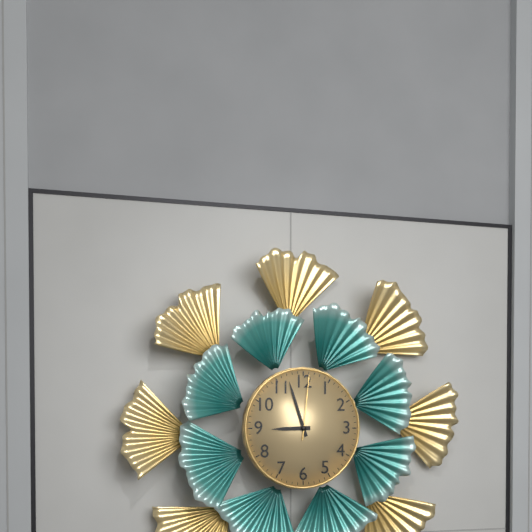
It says 8 h 57 min 01 s
